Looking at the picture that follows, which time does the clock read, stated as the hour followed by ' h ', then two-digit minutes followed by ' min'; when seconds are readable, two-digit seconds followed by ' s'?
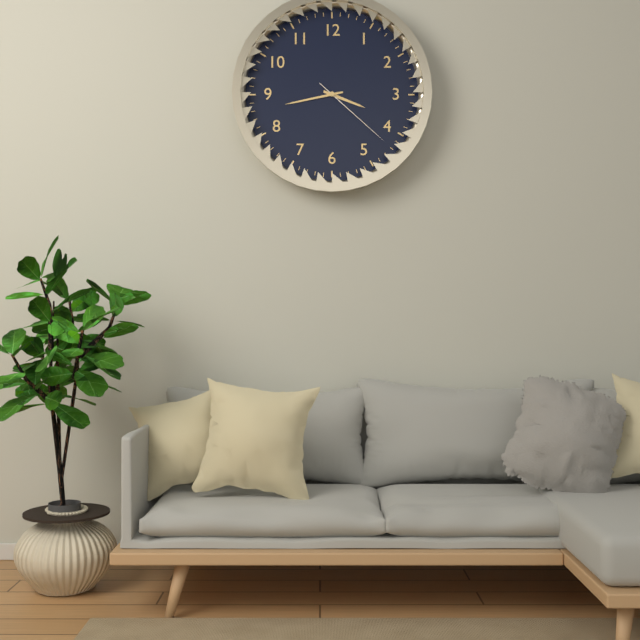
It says 3 h 43 min 22 s
